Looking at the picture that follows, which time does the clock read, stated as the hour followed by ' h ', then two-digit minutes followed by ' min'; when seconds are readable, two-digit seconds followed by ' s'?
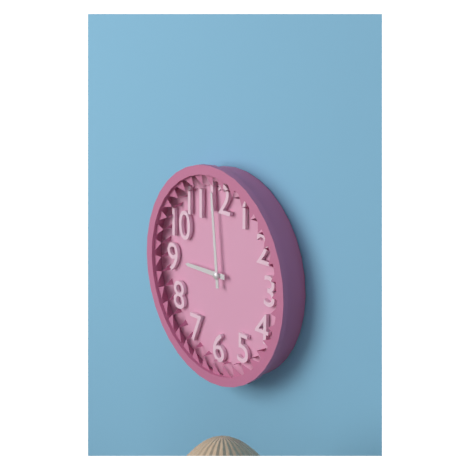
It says 8 h 59 min
